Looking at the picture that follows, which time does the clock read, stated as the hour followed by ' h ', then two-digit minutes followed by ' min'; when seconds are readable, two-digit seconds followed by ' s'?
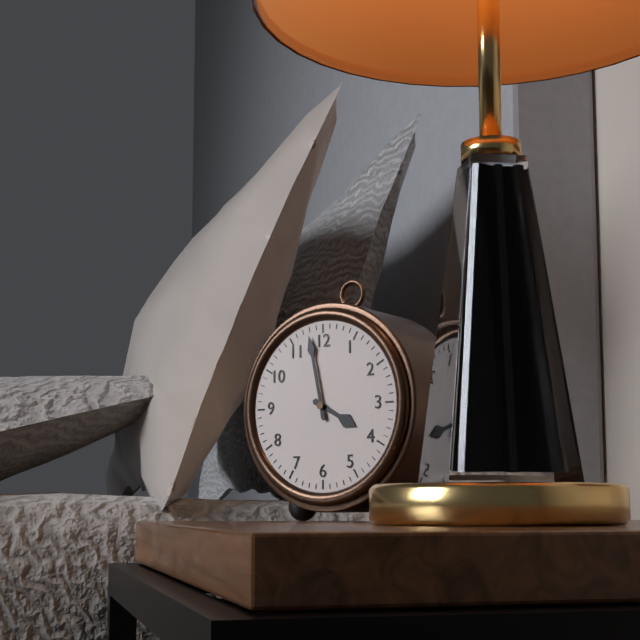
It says 3 h 58 min
